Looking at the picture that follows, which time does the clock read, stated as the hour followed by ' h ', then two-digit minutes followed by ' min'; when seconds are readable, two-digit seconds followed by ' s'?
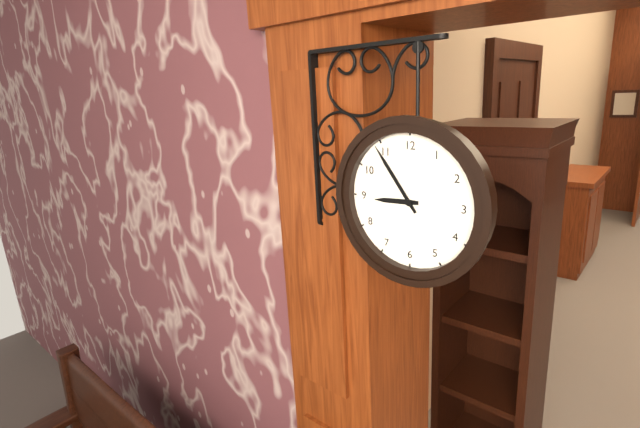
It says 8 h 54 min
